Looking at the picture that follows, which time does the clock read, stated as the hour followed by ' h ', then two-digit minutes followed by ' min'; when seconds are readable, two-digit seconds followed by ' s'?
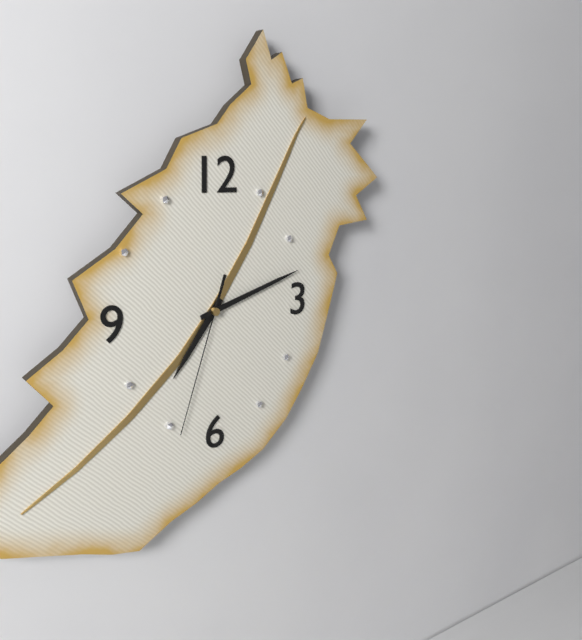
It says 7 h 12 min 33 s
